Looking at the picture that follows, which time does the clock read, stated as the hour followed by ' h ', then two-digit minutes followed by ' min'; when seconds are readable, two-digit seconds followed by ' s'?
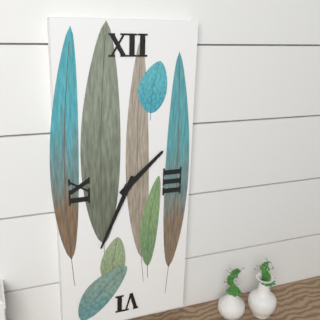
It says 1 h 34 min
